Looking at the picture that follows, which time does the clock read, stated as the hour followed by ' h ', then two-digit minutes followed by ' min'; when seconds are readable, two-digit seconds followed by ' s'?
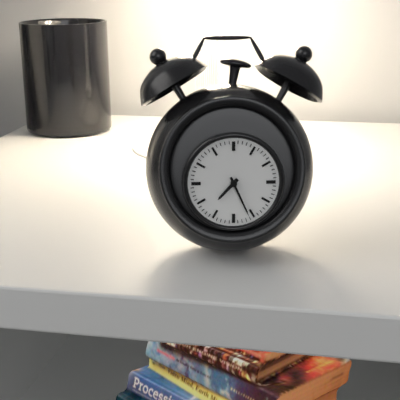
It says 7 h 26 min
